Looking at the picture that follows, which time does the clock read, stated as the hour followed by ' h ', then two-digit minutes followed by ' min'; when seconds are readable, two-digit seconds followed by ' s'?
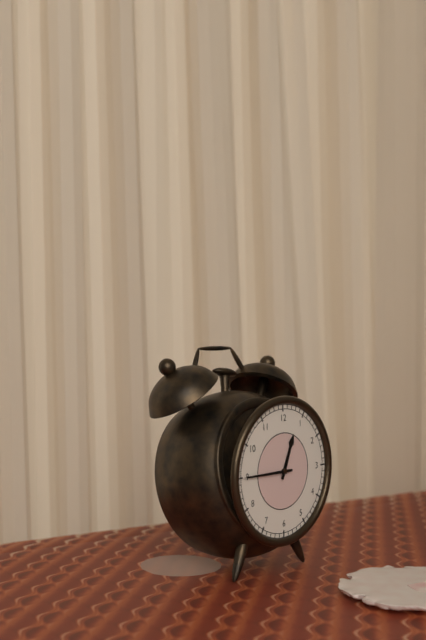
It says 12 h 45 min
